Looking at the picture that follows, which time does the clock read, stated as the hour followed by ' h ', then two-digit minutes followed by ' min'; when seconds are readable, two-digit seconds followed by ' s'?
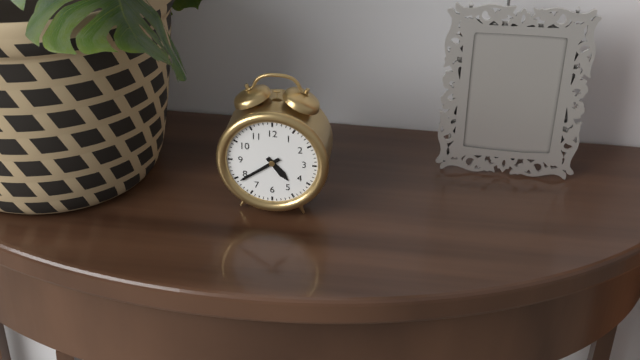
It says 4 h 39 min
